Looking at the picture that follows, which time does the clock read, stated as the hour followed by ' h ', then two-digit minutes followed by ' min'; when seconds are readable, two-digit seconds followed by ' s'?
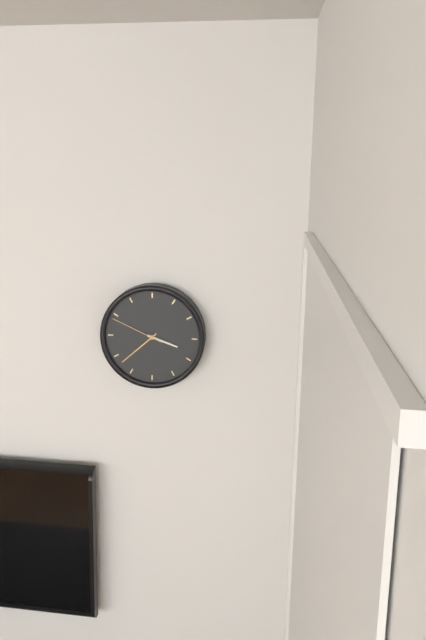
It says 3 h 38 min 49 s
